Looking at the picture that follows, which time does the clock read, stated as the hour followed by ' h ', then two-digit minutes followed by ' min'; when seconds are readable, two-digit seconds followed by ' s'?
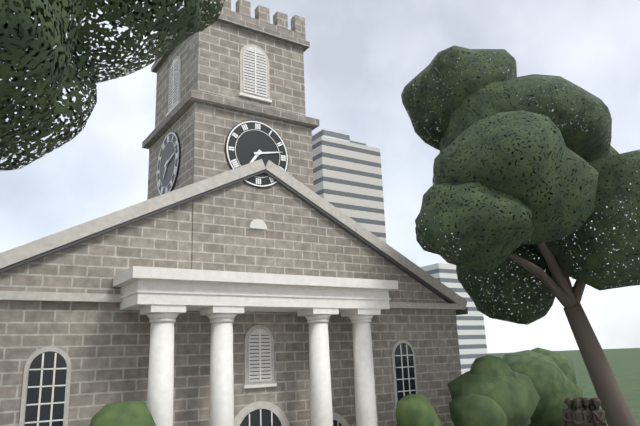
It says 7 h 13 min
